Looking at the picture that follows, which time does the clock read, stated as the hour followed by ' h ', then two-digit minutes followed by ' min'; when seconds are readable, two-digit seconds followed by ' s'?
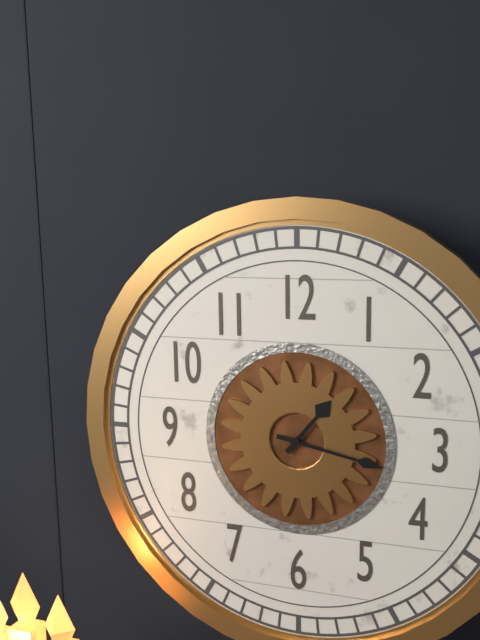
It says 1 h 17 min
